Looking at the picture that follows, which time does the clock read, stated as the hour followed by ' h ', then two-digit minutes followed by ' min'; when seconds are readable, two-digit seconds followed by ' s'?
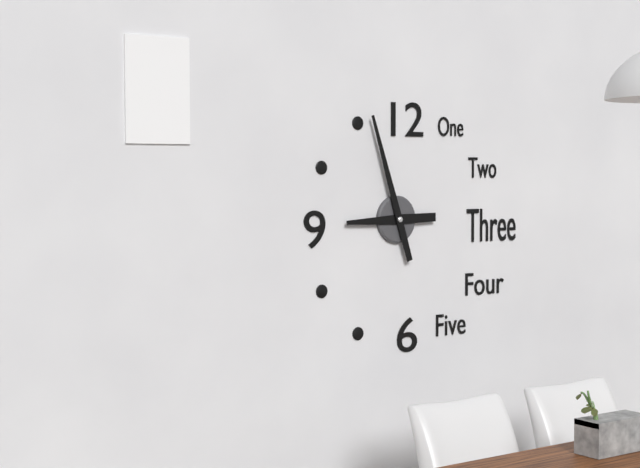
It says 8 h 57 min
